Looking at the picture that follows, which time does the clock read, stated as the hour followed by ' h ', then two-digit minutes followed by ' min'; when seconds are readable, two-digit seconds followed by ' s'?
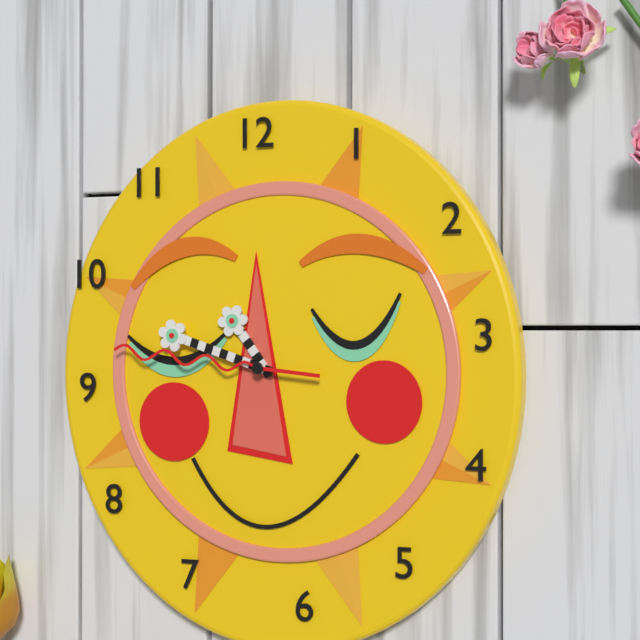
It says 10 h 48 min 46 s
